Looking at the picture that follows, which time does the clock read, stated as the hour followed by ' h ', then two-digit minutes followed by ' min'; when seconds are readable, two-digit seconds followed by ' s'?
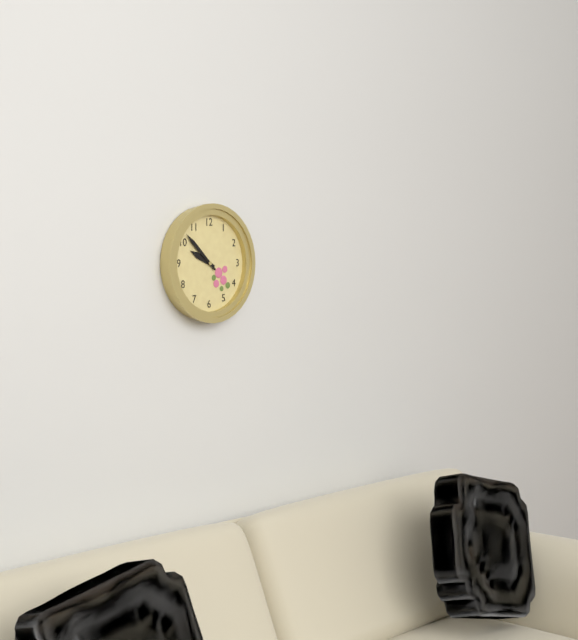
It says 9 h 52 min
